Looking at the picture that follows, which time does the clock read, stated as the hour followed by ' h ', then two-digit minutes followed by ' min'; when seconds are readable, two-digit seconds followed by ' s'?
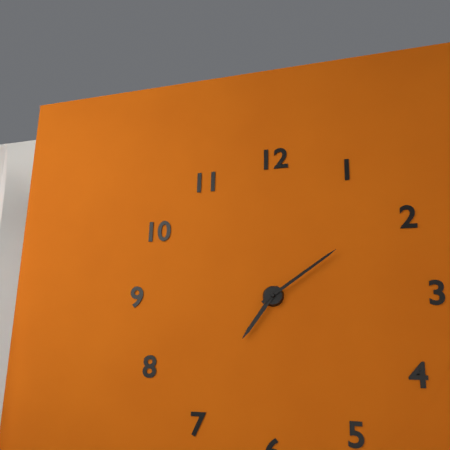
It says 7 h 09 min
